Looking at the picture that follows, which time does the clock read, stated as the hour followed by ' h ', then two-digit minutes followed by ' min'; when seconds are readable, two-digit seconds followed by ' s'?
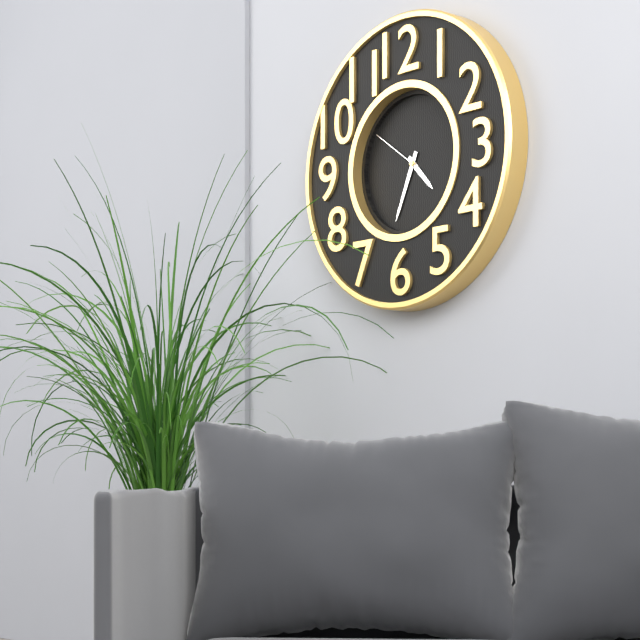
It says 4 h 34 min 51 s
